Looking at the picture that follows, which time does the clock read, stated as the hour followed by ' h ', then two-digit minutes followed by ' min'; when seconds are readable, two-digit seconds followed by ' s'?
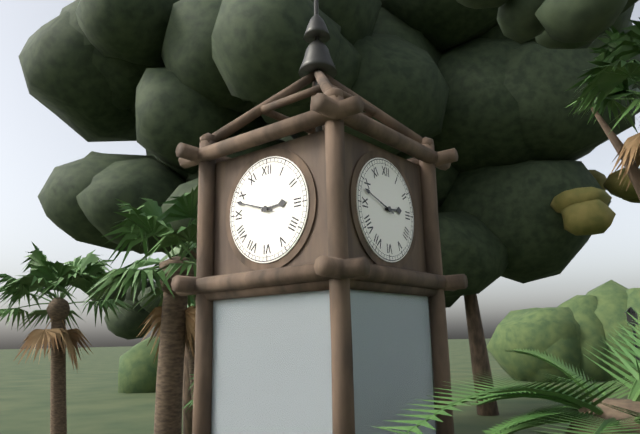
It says 2 h 48 min
